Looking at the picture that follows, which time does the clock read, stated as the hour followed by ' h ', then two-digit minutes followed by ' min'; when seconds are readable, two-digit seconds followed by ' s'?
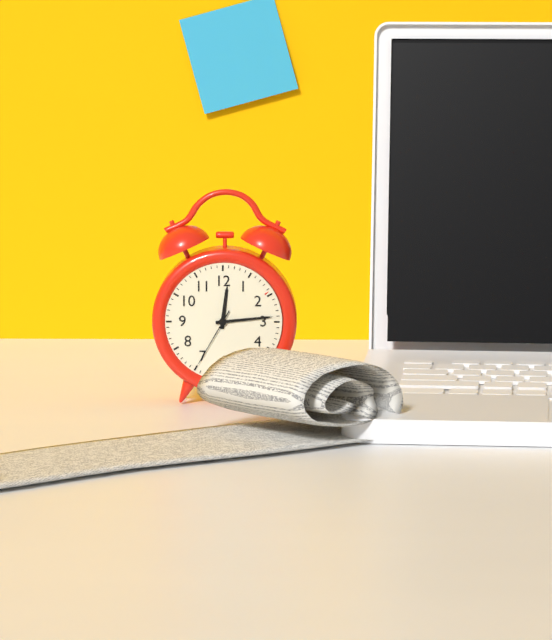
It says 12 h 14 min 35 s
